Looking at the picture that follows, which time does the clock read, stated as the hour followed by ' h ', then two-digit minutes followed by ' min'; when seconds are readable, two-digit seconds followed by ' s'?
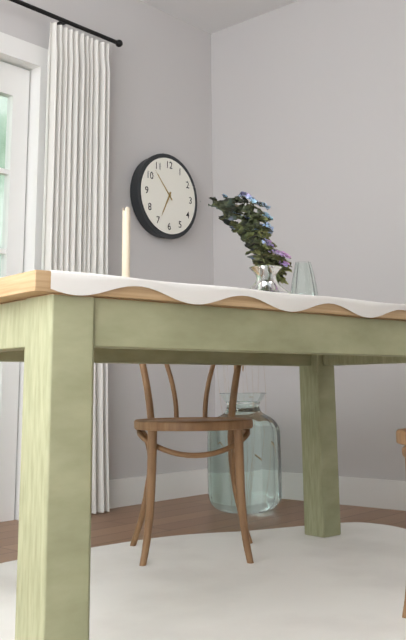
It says 6 h 53 min
